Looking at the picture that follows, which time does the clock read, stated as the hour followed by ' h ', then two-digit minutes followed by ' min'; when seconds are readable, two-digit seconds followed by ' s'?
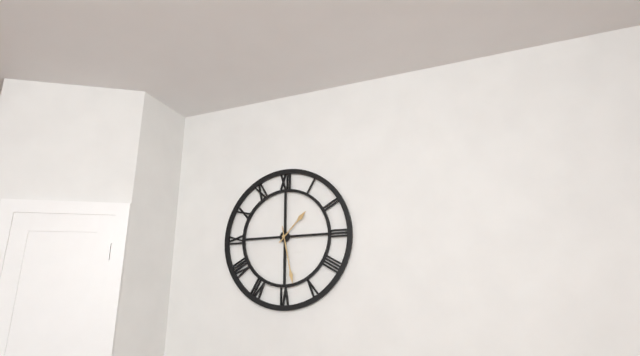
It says 1 h 28 min
